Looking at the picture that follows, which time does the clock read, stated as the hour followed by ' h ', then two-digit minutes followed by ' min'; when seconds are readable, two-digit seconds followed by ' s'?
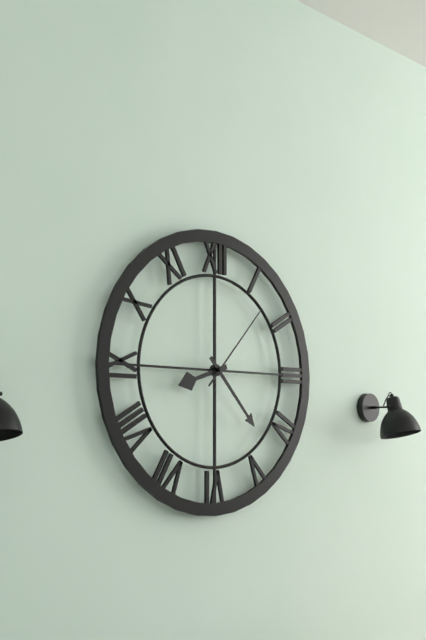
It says 8 h 23 min 07 s
